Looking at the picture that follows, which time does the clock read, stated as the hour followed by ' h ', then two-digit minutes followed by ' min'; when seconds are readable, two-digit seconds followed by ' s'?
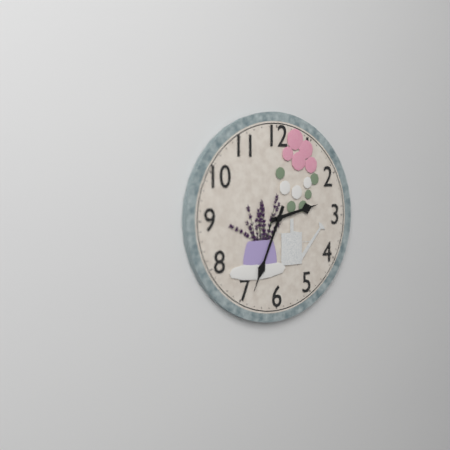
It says 2 h 34 min
